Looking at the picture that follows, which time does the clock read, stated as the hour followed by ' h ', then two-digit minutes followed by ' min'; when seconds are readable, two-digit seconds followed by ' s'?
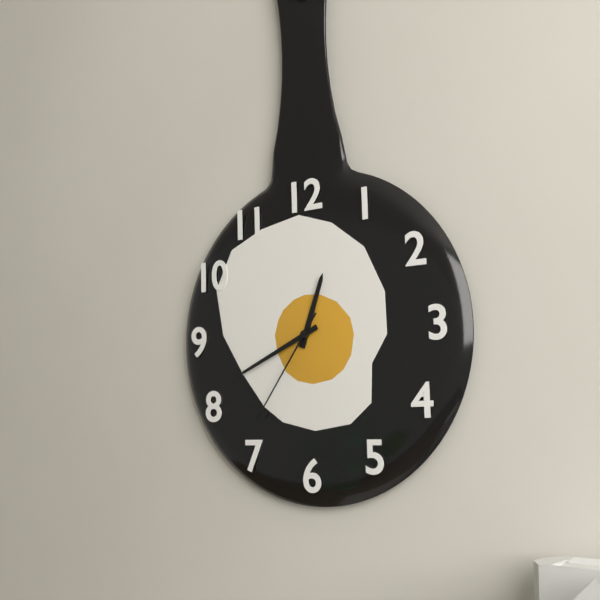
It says 12 h 41 min 36 s
